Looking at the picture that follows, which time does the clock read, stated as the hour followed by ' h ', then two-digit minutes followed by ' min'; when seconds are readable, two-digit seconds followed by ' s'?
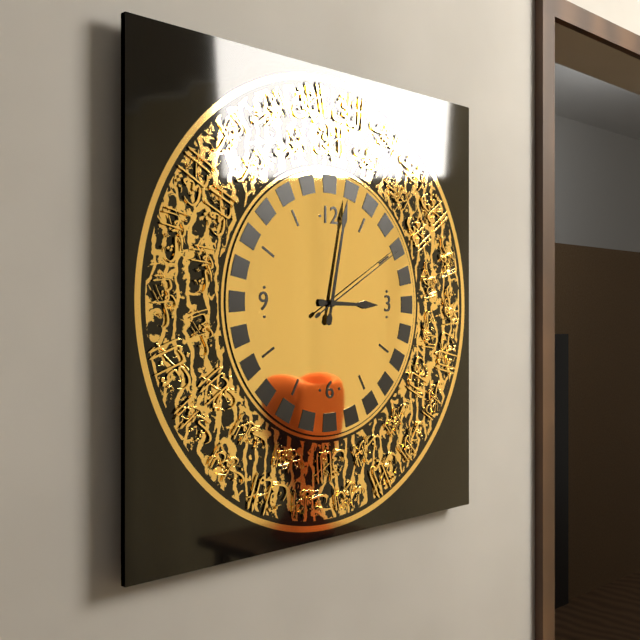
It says 3 h 02 min 10 s
